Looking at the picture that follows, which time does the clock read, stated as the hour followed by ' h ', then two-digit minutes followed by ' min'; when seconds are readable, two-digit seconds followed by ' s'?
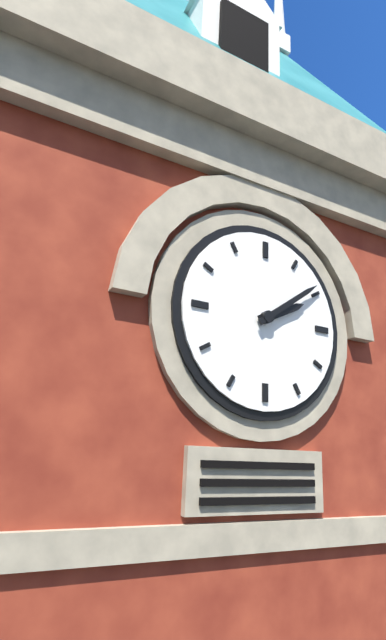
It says 2 h 09 min
